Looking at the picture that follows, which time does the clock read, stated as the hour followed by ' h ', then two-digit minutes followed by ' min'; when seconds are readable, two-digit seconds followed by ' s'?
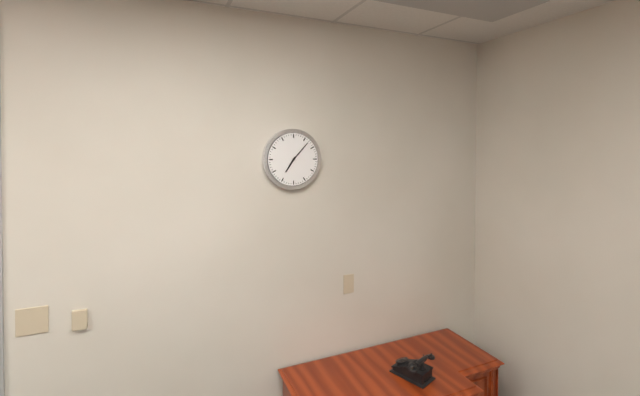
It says 7 h 07 min
